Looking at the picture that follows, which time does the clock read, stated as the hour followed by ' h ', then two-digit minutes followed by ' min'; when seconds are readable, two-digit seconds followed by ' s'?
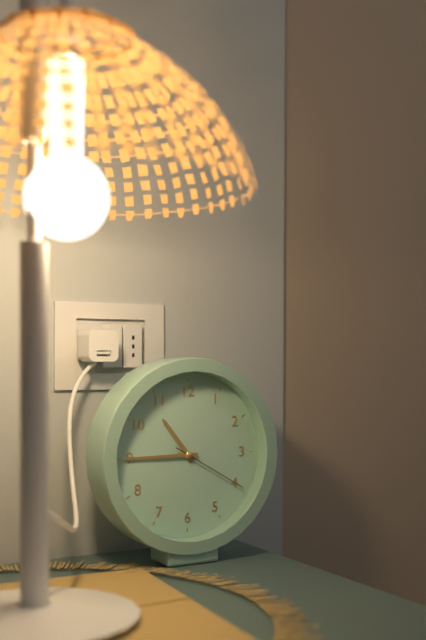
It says 10 h 45 min 20 s
